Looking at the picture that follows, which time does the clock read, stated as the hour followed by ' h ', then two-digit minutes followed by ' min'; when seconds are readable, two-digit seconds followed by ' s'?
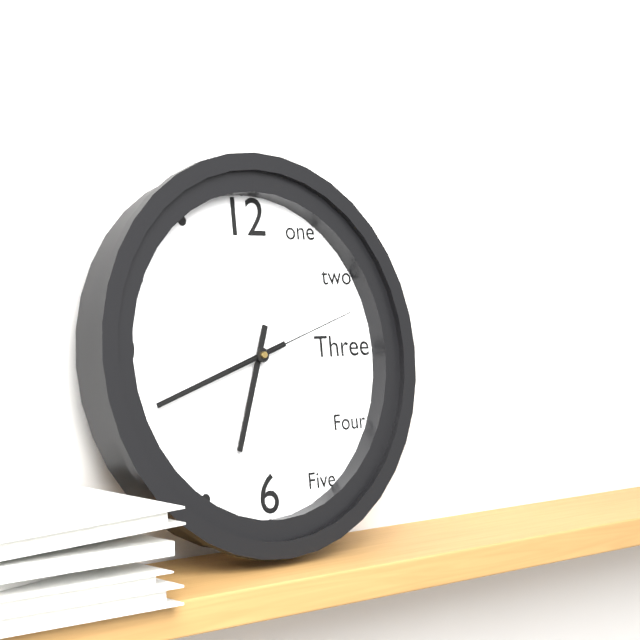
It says 6 h 42 min 12 s
